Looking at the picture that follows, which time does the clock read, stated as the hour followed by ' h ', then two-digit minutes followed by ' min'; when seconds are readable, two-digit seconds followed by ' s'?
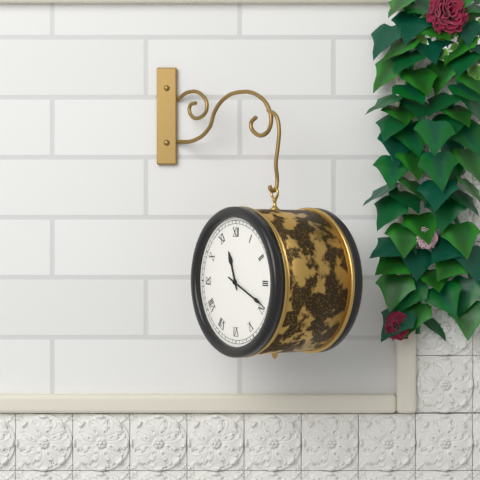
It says 11 h 19 min
